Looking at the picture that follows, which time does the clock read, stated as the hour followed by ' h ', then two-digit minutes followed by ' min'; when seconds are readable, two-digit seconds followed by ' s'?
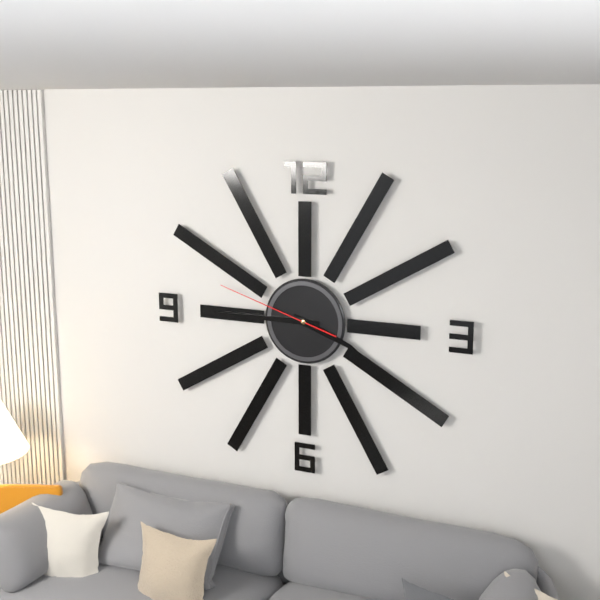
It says 3 h 45 min 48 s
